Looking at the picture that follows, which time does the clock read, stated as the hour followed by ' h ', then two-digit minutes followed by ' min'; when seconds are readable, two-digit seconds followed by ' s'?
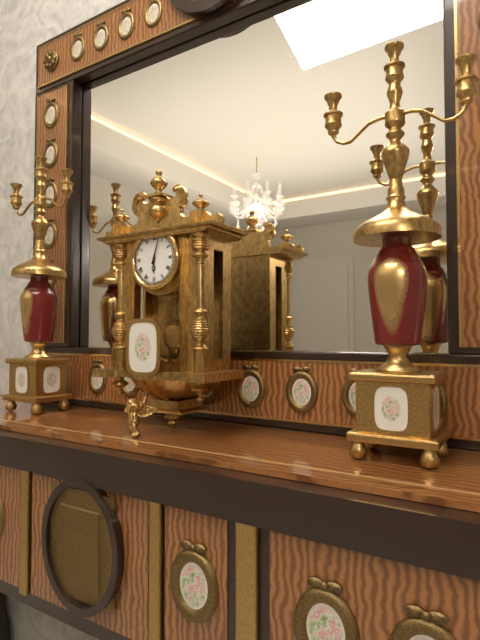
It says 6 h 03 min
